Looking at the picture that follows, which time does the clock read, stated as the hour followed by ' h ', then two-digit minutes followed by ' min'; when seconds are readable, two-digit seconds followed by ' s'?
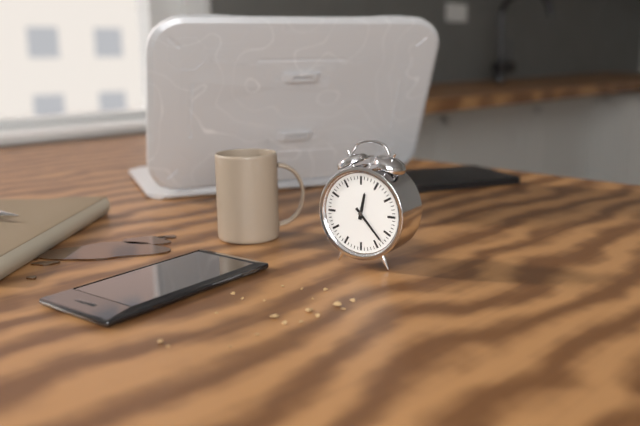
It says 12 h 23 min
